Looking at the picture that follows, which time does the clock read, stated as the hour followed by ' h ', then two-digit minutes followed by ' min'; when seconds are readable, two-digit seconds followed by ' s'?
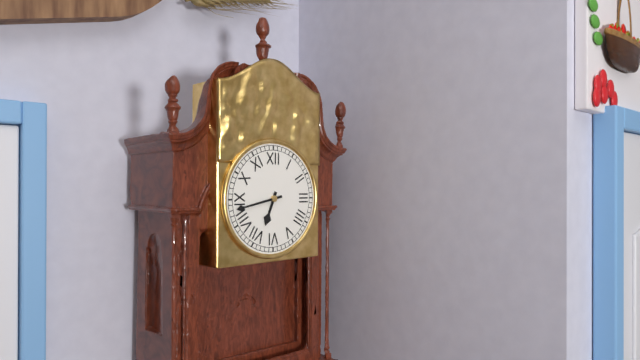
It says 6 h 43 min
